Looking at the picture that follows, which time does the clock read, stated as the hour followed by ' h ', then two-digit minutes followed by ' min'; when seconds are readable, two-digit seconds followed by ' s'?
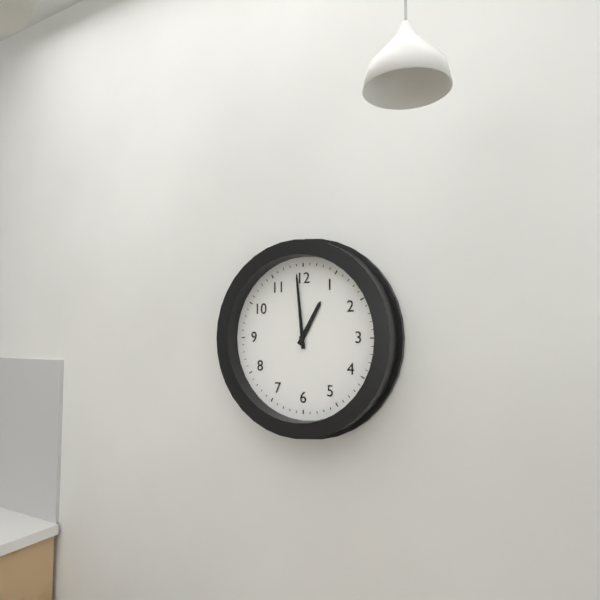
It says 12 h 59 min
